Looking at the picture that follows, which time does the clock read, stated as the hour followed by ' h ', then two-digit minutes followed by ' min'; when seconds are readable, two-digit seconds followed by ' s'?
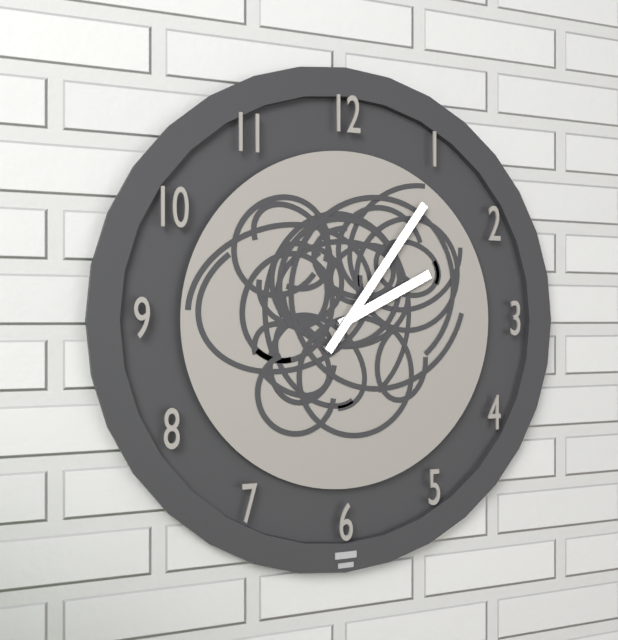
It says 2 h 06 min
